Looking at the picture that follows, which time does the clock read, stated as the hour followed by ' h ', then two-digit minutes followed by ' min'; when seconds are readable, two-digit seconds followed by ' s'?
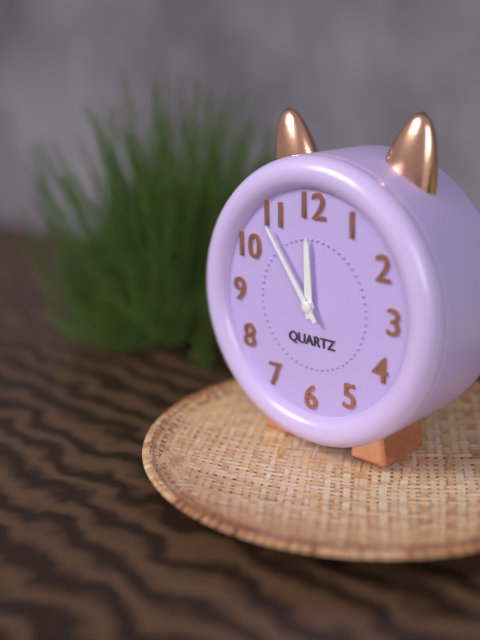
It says 11 h 54 min
